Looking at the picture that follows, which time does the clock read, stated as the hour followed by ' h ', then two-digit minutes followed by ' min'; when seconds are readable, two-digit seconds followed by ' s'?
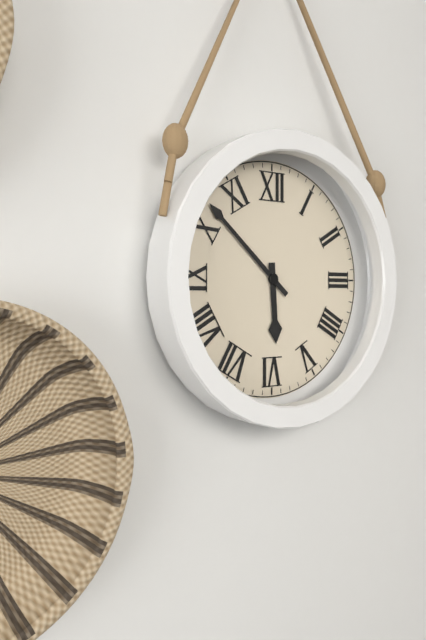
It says 5 h 52 min
